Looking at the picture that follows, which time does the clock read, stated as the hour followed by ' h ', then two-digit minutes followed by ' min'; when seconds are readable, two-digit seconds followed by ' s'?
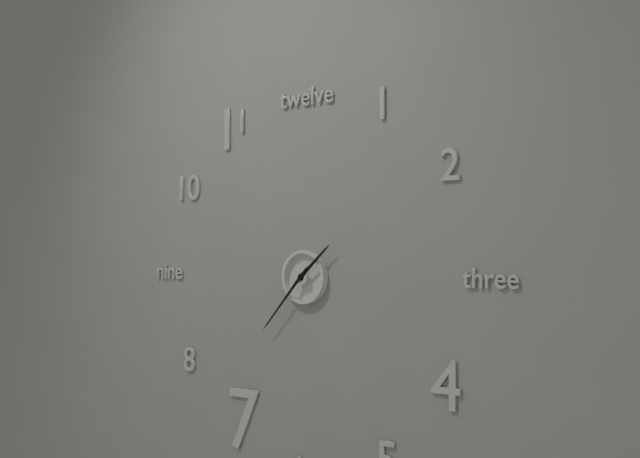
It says 1 h 37 min
